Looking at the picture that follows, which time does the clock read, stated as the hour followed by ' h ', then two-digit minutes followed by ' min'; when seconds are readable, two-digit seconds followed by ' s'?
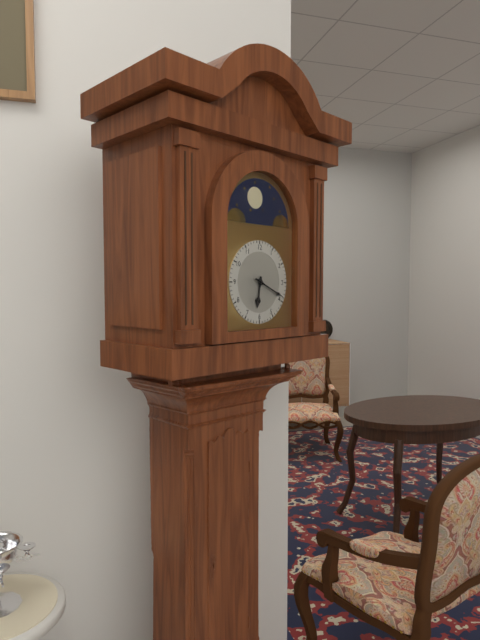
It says 6 h 19 min
